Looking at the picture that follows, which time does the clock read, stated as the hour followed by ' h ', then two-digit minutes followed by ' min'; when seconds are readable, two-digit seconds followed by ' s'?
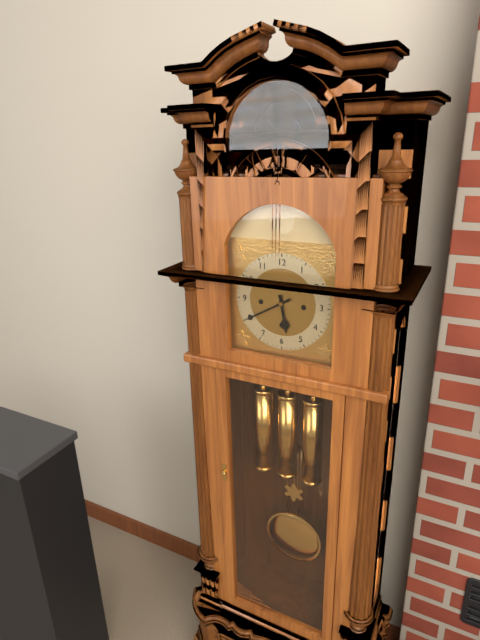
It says 5 h 40 min
